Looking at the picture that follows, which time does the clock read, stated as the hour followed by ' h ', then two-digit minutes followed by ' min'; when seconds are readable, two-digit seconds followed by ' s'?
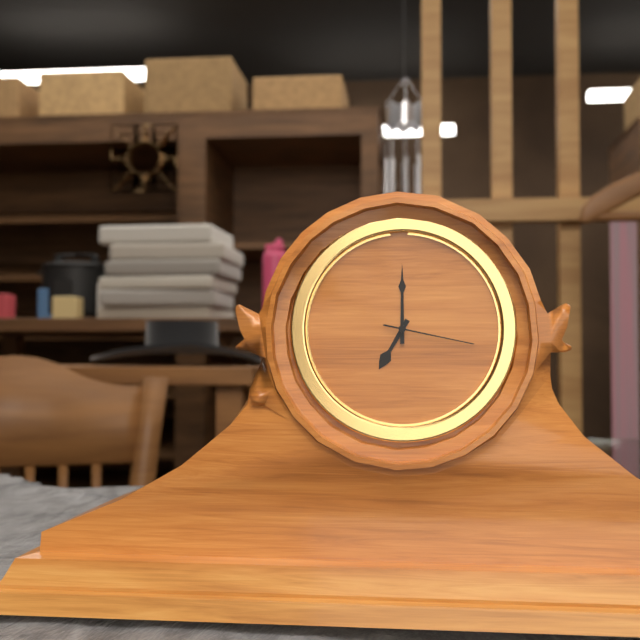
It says 7 h 00 min 17 s
